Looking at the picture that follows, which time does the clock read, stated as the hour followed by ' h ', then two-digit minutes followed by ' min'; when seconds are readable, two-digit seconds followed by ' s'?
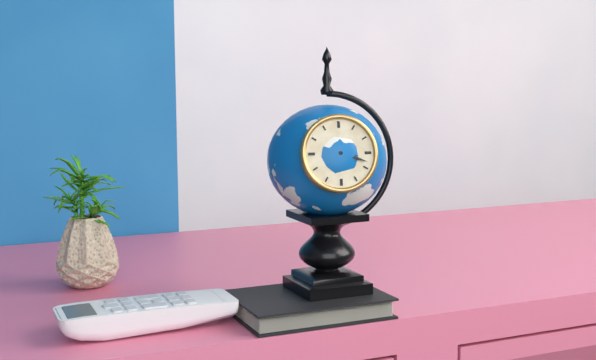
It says 3 h 18 min
